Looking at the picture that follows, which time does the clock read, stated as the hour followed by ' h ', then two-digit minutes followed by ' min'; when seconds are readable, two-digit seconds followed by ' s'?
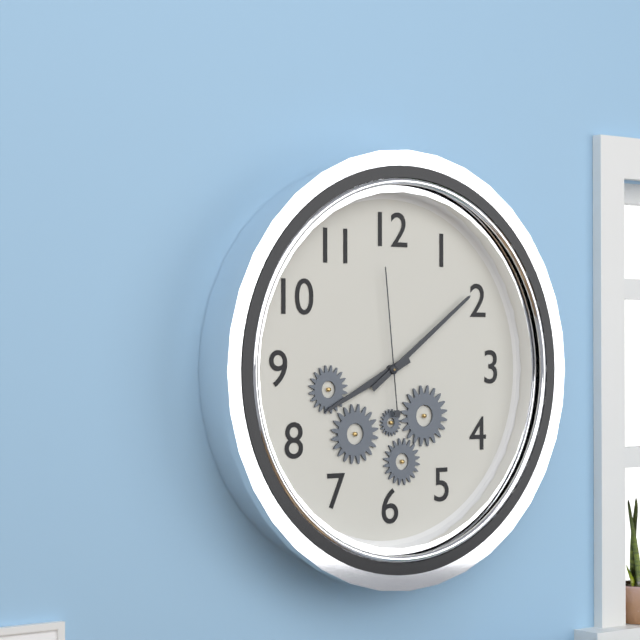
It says 8 h 09 min 59 s
